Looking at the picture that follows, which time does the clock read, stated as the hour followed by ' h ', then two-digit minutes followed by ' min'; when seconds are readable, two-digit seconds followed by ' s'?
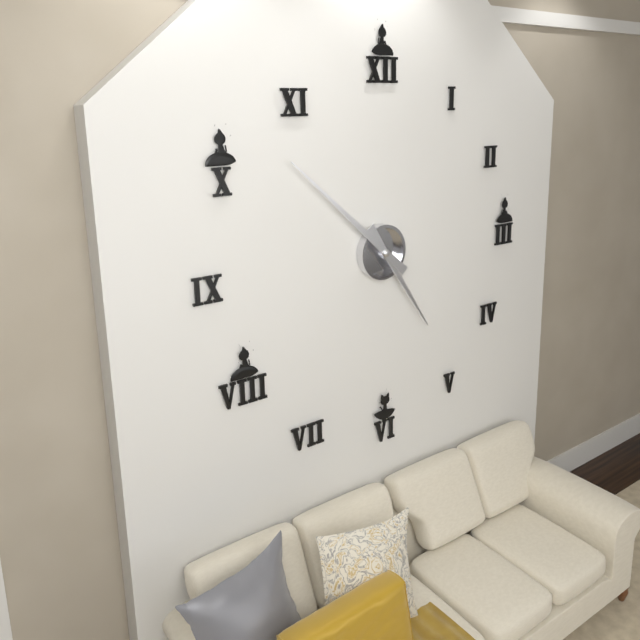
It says 4 h 52 min
